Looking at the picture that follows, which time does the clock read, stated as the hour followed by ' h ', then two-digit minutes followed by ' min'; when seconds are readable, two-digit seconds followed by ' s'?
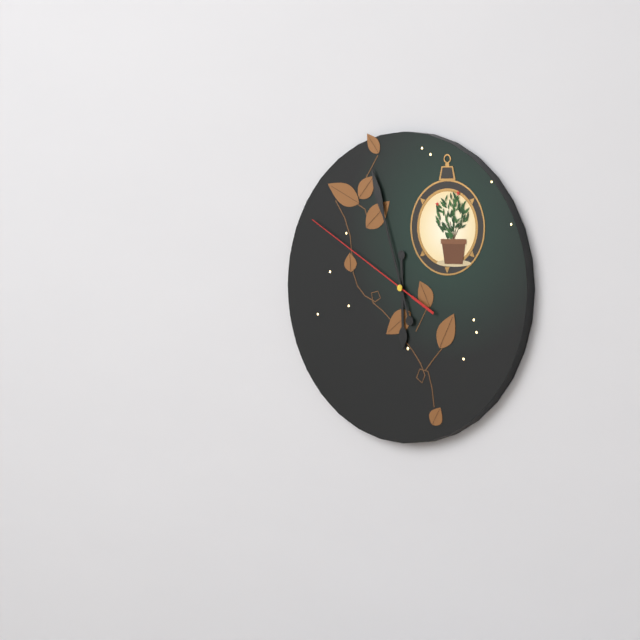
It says 5 h 57 min 50 s
